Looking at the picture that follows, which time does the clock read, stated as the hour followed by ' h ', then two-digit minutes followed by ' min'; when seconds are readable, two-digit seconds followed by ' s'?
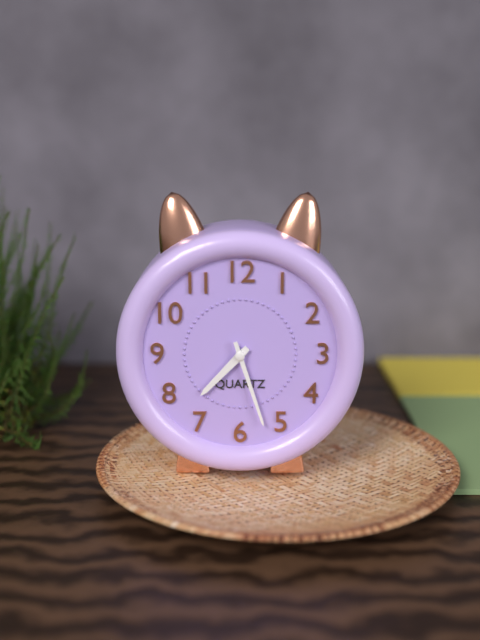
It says 7 h 27 min
